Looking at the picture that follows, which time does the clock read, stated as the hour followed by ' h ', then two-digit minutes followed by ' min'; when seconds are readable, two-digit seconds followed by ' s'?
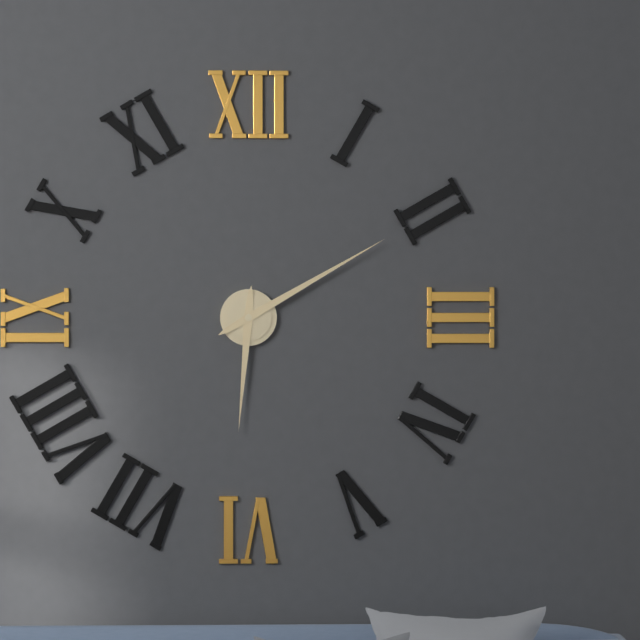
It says 6 h 10 min
